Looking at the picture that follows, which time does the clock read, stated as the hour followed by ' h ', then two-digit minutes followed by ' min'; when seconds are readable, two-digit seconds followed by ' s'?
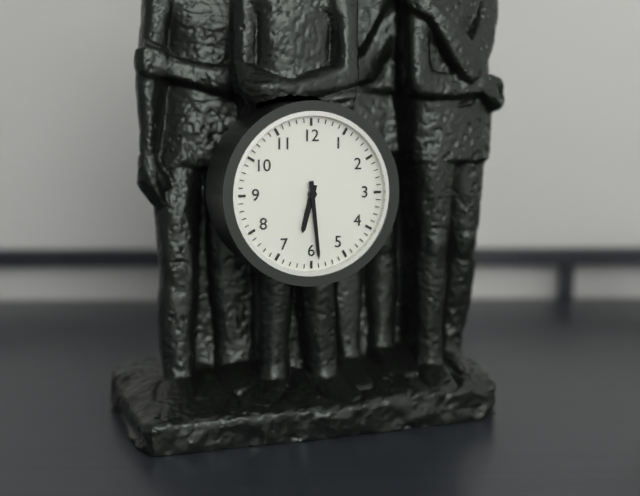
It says 6 h 29 min
